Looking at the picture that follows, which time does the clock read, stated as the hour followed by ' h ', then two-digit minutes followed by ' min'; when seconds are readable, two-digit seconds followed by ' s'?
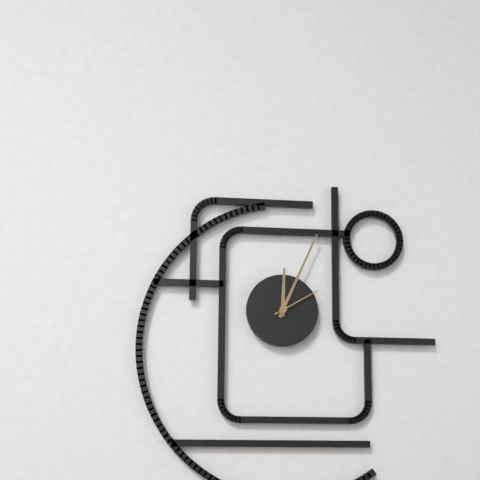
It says 12 h 04 min 10 s
